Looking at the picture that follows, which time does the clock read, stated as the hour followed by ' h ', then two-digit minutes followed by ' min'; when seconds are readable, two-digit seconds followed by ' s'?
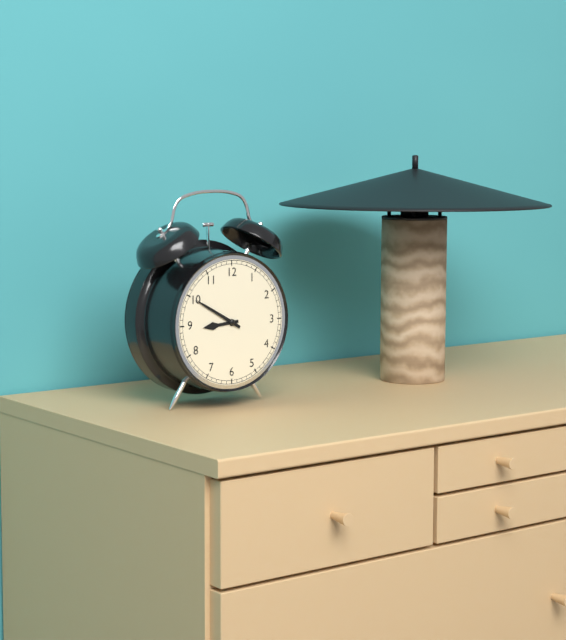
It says 8 h 50 min
